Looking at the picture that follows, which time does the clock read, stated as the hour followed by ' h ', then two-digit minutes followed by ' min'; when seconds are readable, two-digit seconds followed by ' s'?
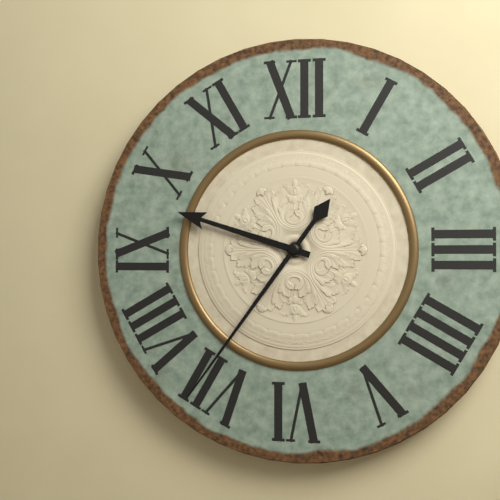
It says 9 h 36 min
